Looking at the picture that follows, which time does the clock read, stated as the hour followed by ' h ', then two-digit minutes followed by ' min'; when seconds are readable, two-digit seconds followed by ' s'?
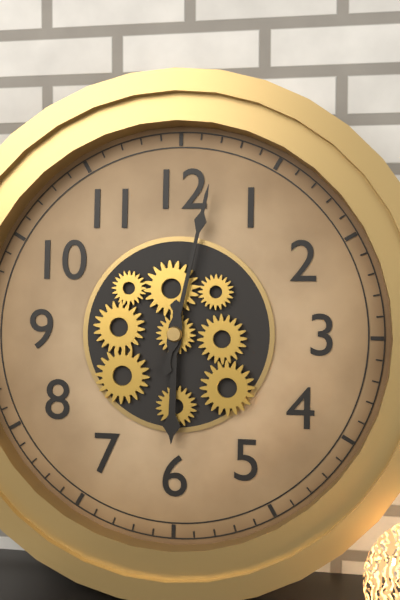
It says 6 h 02 min
